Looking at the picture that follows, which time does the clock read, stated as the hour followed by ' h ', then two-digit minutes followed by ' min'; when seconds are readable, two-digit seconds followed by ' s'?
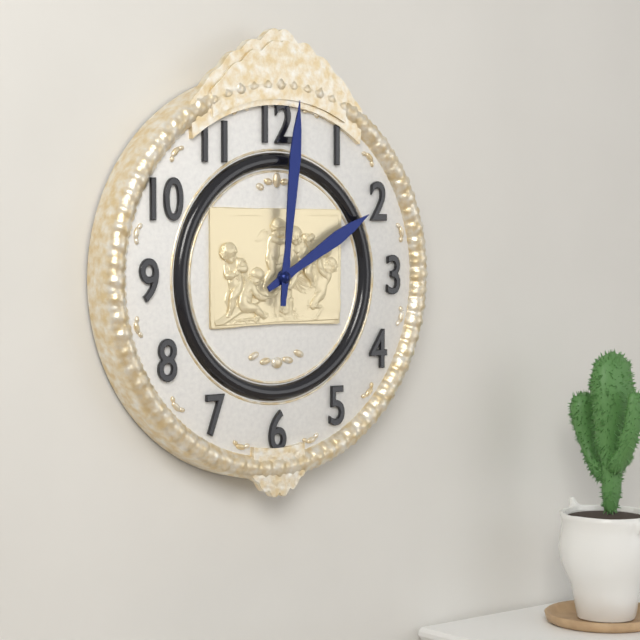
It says 2 h 01 min
